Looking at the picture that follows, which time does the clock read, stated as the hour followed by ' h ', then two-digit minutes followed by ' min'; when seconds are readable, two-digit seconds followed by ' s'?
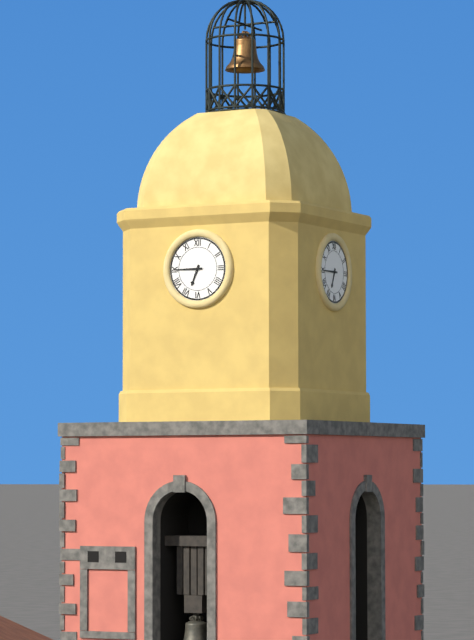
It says 6 h 45 min
